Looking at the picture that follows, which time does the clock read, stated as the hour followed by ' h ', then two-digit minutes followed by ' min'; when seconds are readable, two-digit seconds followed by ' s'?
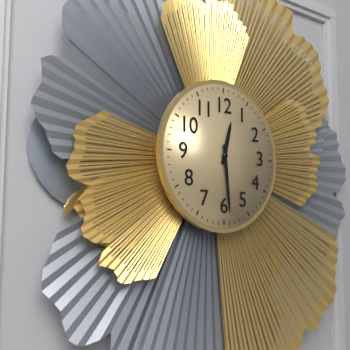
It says 12 h 29 min
